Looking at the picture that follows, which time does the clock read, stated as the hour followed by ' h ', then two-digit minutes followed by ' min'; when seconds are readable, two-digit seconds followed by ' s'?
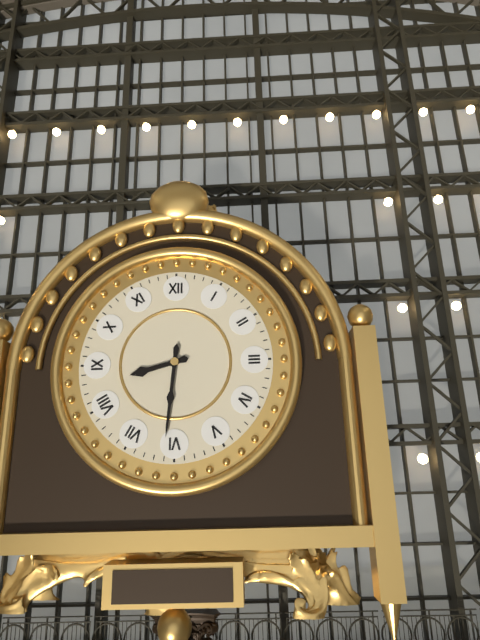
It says 8 h 31 min
